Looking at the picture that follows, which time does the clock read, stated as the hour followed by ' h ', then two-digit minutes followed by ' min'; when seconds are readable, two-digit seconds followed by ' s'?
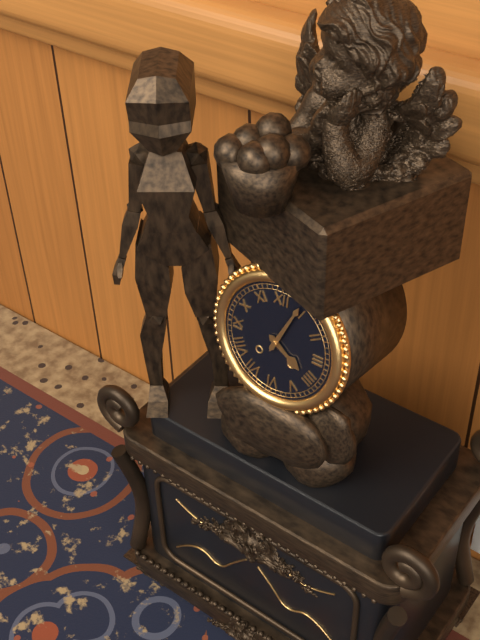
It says 4 h 04 min
